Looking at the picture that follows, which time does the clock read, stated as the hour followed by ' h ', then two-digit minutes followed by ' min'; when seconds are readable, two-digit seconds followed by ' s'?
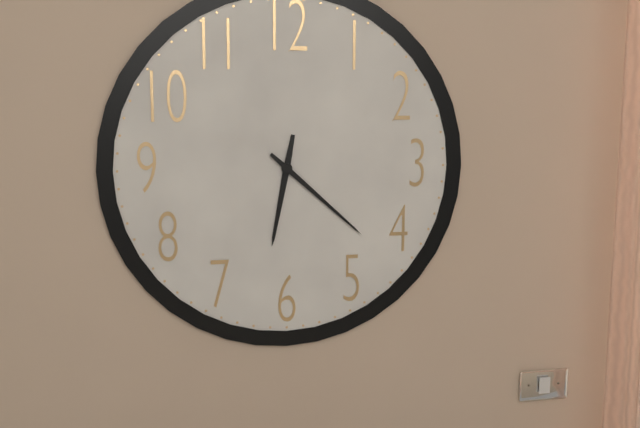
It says 6 h 22 min
